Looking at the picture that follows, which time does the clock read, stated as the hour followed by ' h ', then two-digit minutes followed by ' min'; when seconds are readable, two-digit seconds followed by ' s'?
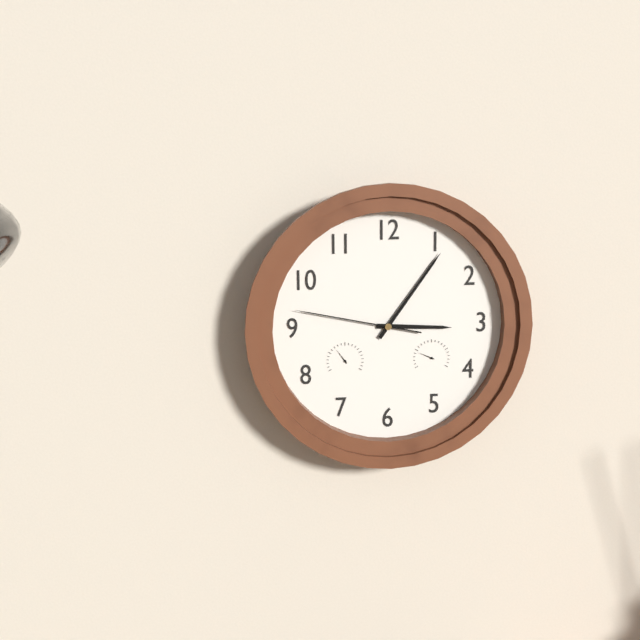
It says 3 h 06 min 47 s
